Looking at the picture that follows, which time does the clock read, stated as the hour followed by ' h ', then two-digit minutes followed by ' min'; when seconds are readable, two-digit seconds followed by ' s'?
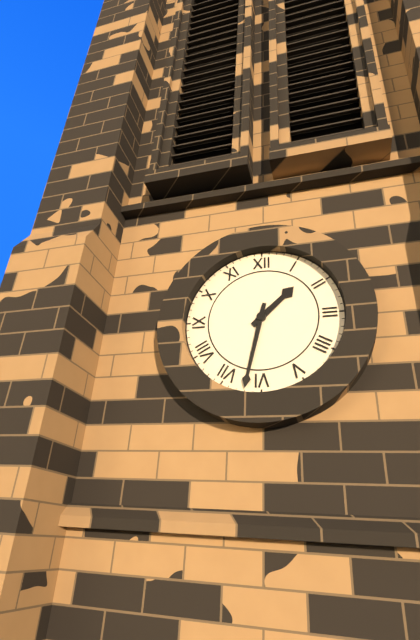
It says 1 h 32 min
